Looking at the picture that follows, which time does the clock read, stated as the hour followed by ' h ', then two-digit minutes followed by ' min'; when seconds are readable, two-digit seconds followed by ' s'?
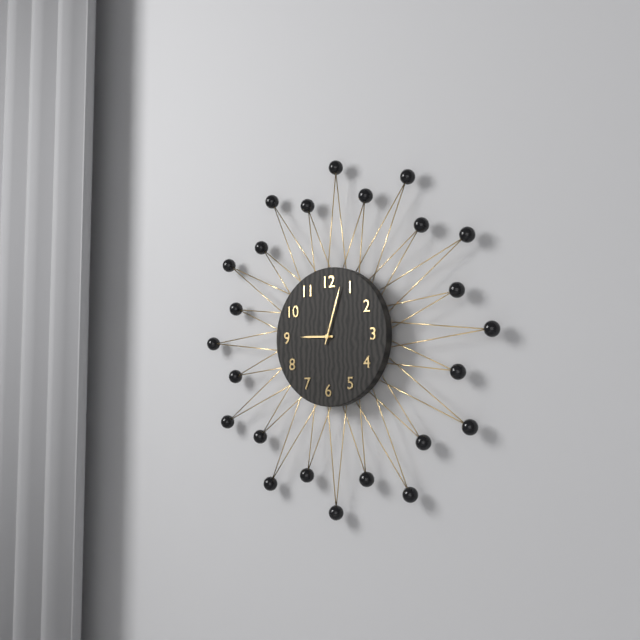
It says 9 h 03 min
